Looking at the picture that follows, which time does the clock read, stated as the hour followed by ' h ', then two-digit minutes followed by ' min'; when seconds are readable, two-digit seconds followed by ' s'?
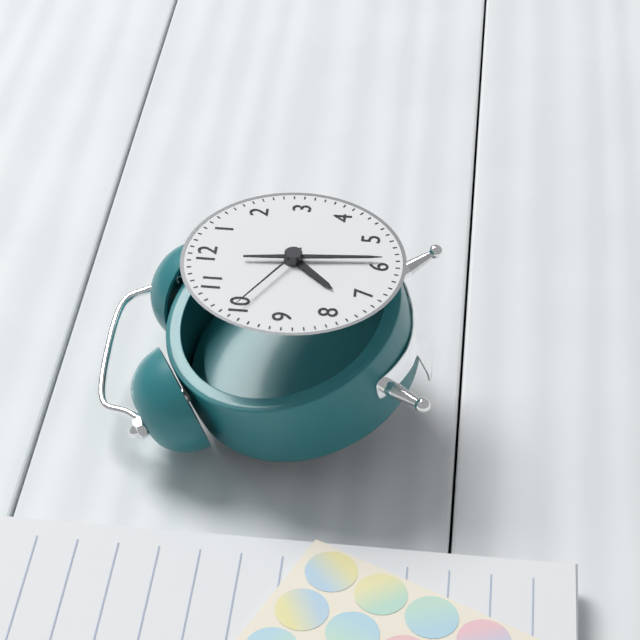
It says 7 h 29 min 50 s
